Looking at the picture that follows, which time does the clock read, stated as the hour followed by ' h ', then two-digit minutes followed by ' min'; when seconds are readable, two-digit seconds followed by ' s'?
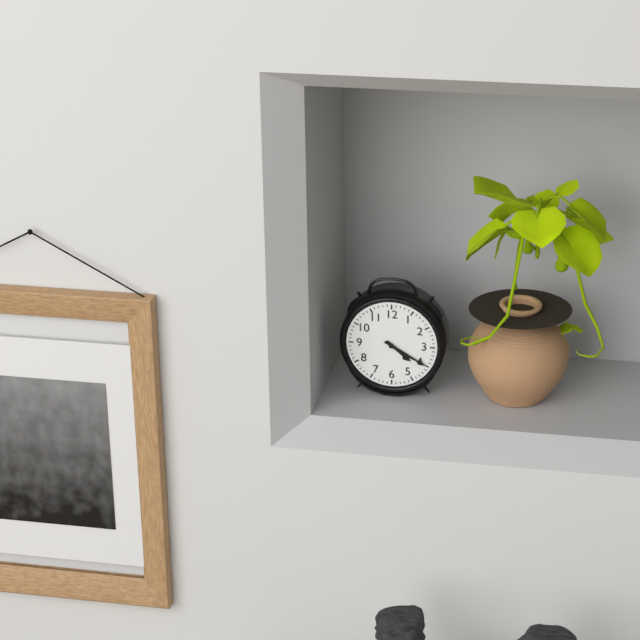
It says 4 h 20 min
